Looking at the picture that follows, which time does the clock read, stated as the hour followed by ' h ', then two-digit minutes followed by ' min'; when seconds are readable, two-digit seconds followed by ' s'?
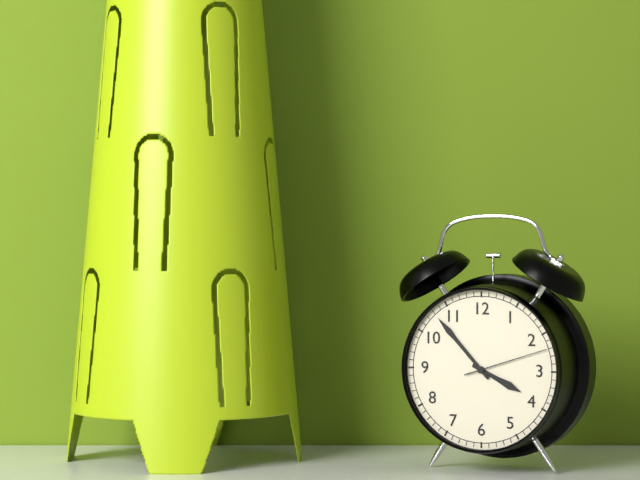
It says 3 h 53 min 12 s
